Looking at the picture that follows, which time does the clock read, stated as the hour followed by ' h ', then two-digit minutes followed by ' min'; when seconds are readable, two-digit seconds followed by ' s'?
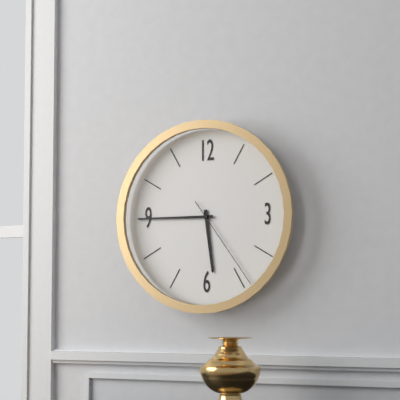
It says 5 h 45 min 24 s
